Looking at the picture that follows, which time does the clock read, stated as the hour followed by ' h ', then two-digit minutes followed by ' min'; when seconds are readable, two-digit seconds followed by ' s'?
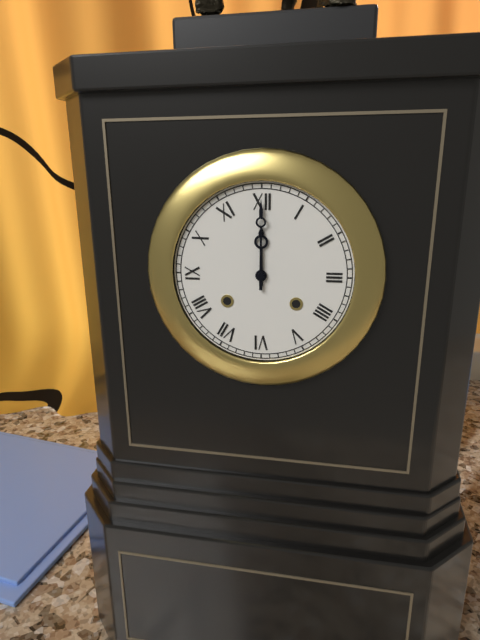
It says 12 h 00 min
